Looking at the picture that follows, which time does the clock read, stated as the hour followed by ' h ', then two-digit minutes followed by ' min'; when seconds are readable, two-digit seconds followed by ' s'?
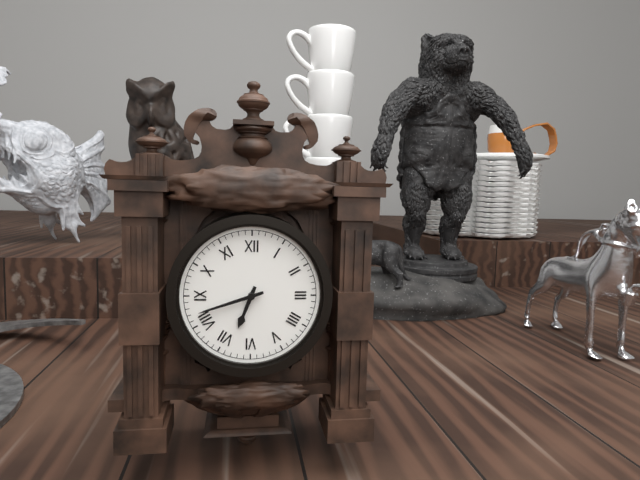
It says 6 h 42 min
